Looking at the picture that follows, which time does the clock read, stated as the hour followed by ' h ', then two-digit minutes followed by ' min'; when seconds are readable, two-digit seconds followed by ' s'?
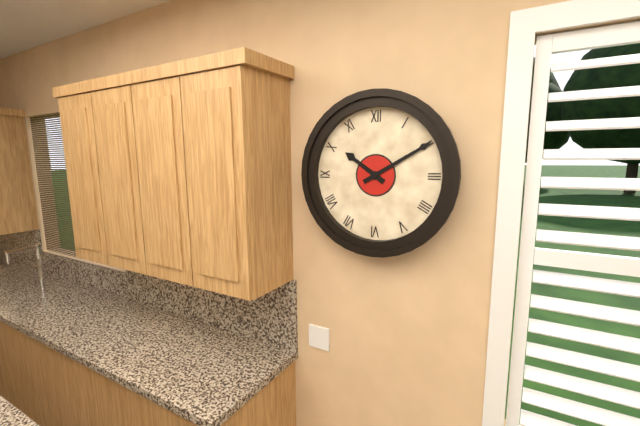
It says 10 h 10 min
